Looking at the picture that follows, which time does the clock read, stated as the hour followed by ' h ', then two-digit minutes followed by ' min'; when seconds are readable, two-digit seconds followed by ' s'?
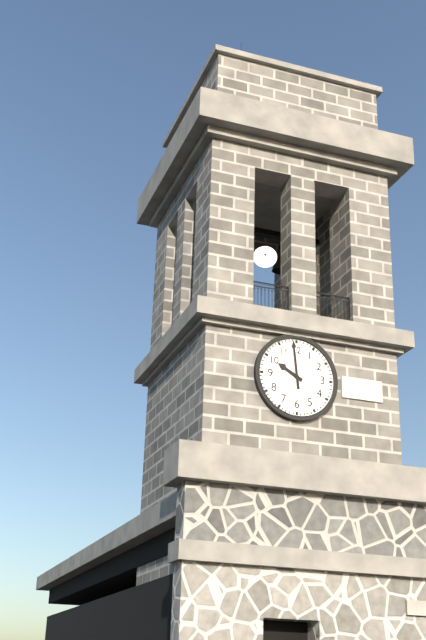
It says 9 h 59 min
